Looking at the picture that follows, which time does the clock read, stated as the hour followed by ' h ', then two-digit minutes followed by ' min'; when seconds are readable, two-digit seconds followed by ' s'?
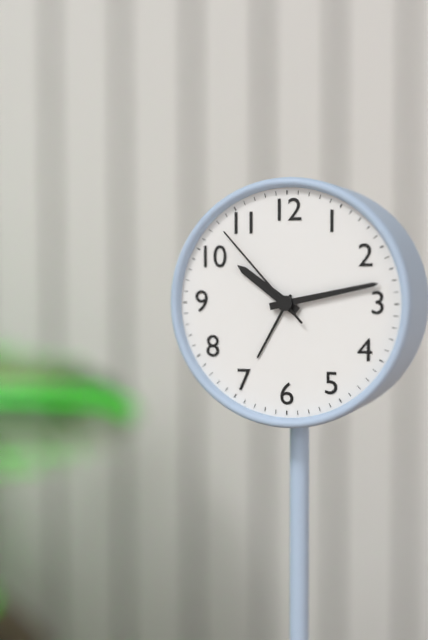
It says 10 h 13 min 53 s
